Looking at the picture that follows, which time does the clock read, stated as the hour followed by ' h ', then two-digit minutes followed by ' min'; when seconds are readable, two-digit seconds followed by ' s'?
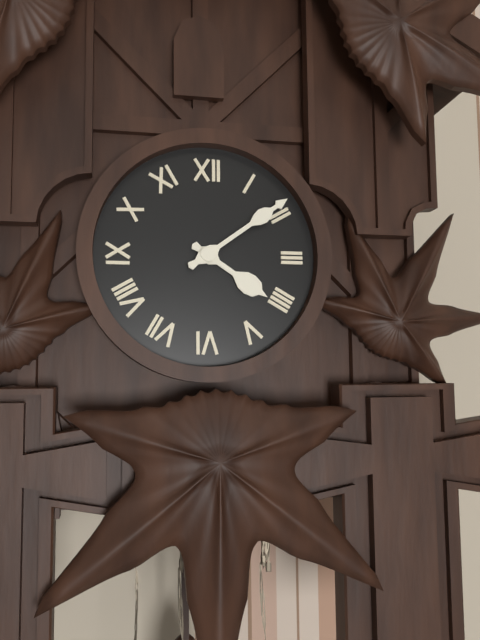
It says 4 h 09 min
